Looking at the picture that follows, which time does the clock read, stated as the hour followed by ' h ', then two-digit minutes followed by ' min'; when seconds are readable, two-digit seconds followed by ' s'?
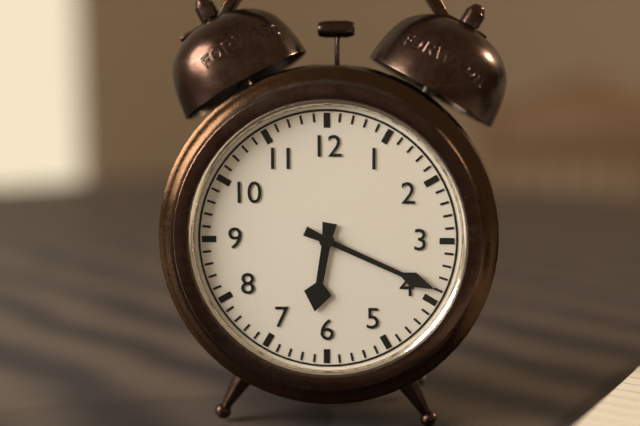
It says 6 h 19 min
